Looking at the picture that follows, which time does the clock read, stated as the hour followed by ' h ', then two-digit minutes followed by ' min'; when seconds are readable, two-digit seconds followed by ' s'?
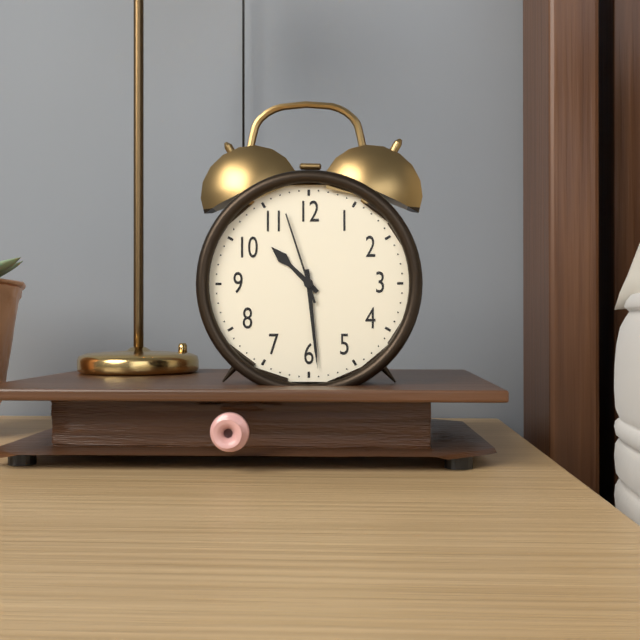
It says 10 h 29 min 57 s
